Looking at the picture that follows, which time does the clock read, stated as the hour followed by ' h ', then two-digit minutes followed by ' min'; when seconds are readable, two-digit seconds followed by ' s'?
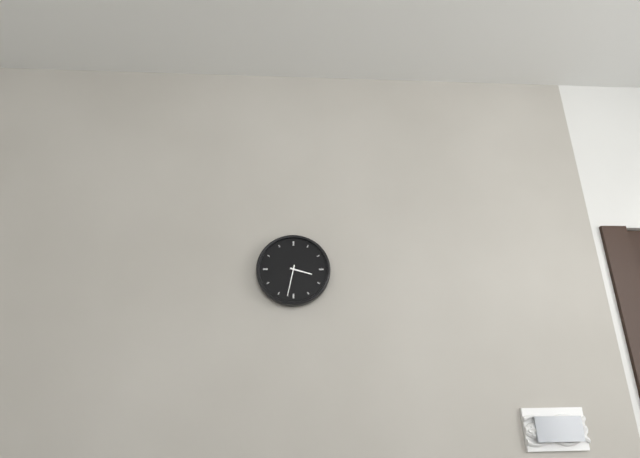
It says 3 h 32 min
